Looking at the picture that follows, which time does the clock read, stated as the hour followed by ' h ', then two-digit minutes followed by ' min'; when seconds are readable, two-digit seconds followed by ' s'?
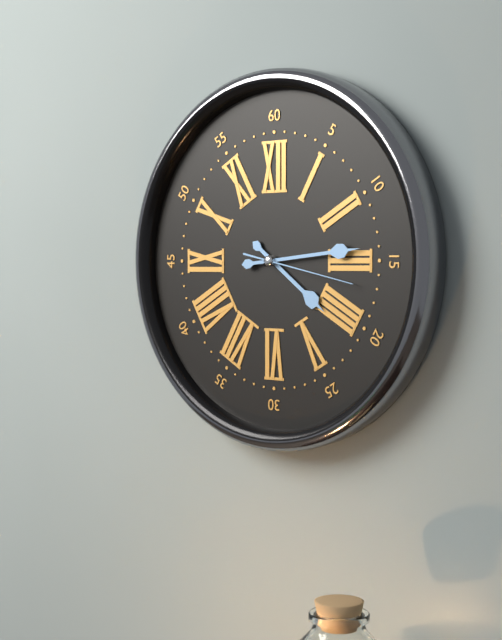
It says 4 h 14 min 17 s
